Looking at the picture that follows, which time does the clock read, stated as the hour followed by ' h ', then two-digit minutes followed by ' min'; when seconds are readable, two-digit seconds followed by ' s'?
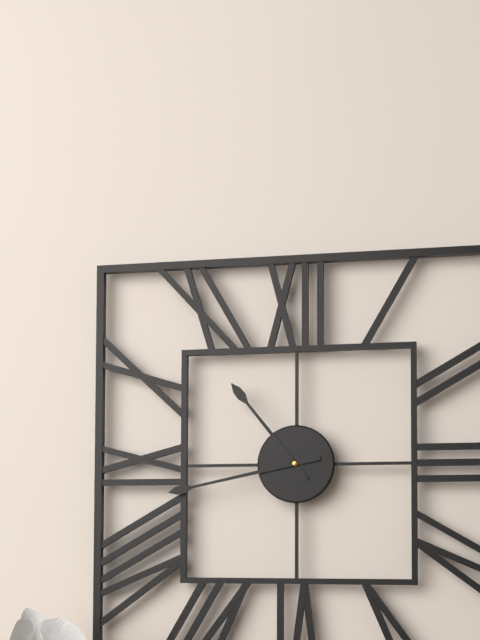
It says 10 h 43 min
